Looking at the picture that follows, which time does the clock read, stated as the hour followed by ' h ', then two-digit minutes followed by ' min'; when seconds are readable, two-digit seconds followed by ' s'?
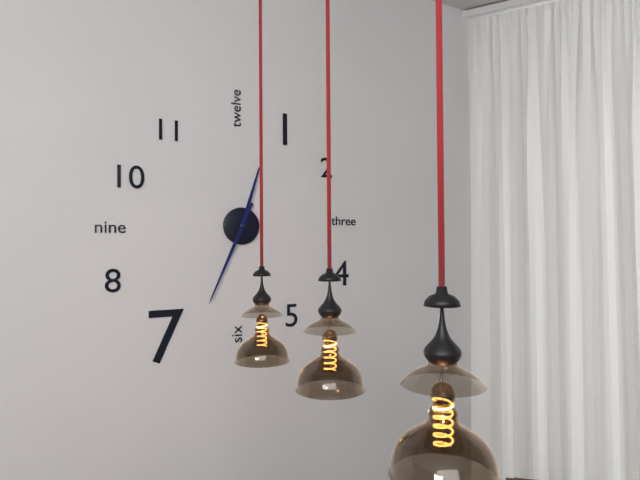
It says 12 h 34 min
